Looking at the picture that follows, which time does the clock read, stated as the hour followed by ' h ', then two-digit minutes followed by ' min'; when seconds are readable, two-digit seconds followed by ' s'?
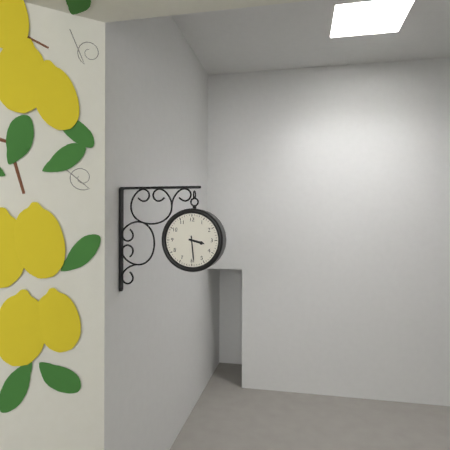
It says 3 h 29 min
